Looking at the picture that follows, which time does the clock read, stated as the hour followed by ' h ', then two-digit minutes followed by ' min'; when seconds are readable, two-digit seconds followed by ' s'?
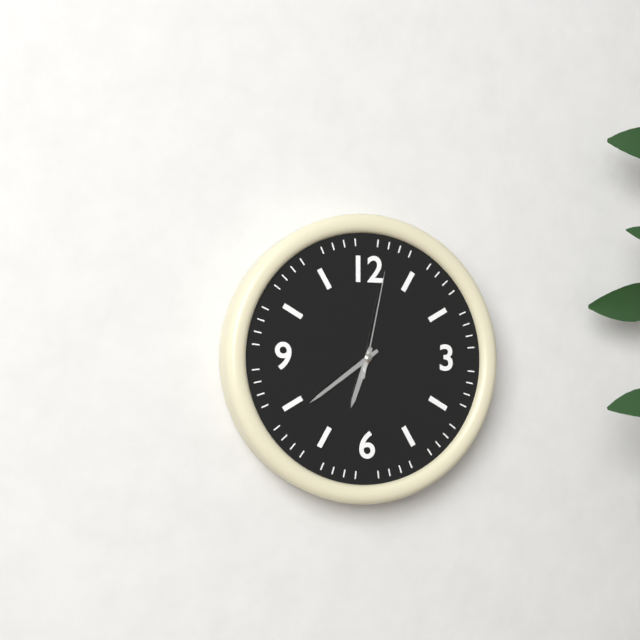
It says 6 h 39 min 02 s
